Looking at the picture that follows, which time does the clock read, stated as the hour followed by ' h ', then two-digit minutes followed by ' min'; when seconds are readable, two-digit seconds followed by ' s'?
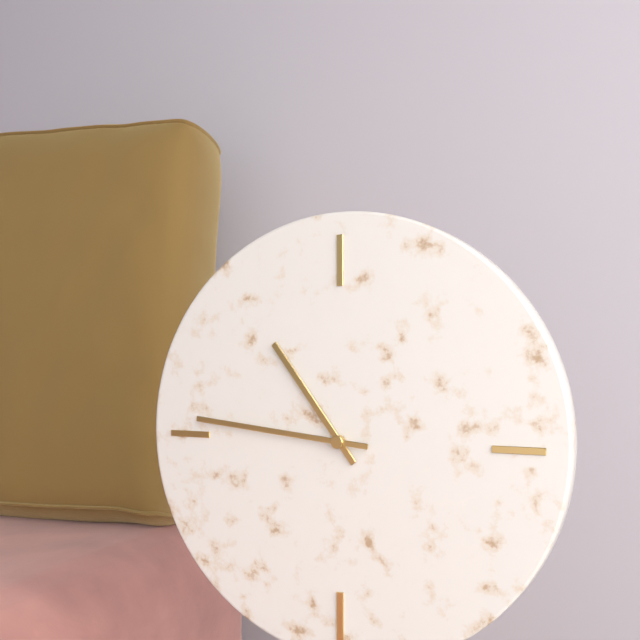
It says 10 h 46 min
